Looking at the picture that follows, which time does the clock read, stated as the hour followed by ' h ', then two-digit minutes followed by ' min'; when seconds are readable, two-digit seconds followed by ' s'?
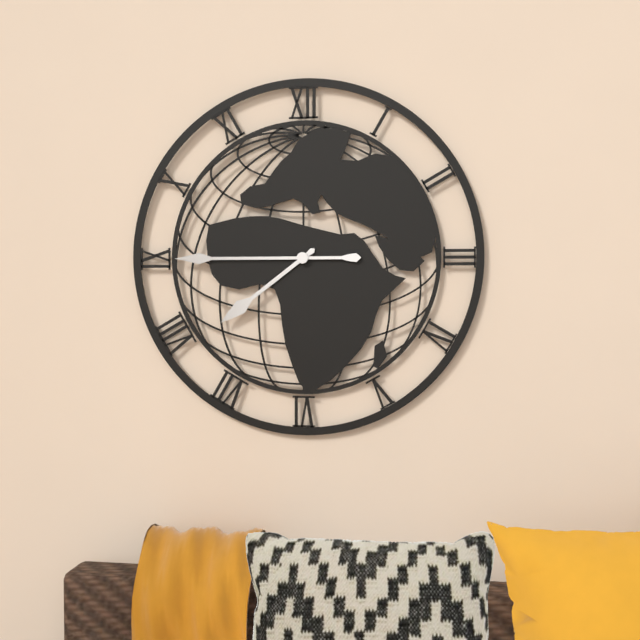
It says 7 h 45 min
